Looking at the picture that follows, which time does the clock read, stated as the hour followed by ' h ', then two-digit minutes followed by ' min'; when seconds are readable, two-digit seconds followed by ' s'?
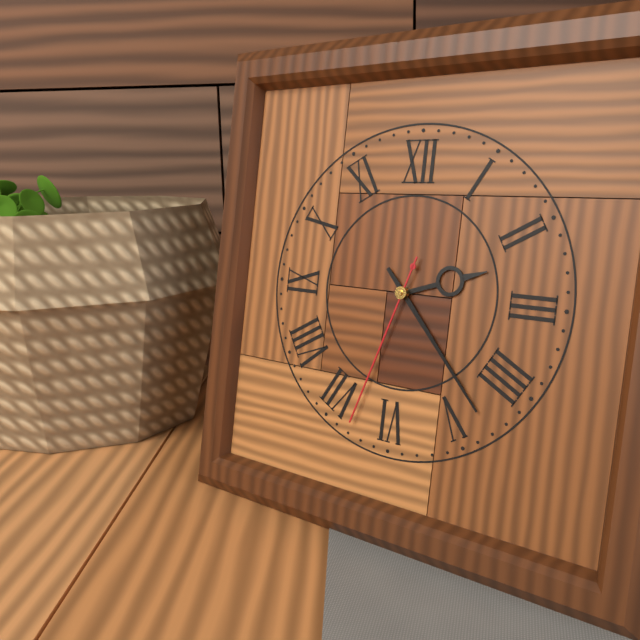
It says 2 h 23 min 33 s
